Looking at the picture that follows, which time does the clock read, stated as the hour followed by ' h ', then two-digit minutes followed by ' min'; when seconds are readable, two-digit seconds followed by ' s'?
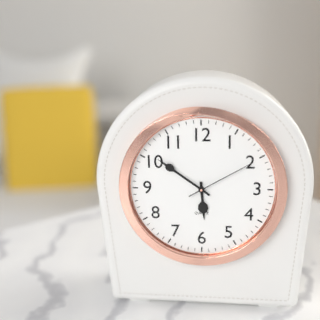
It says 5 h 51 min 10 s
